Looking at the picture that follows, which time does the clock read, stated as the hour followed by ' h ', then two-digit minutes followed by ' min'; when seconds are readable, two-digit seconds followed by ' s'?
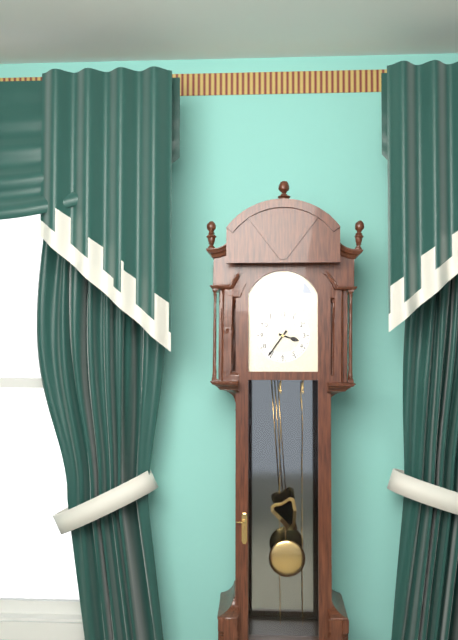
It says 3 h 36 min
